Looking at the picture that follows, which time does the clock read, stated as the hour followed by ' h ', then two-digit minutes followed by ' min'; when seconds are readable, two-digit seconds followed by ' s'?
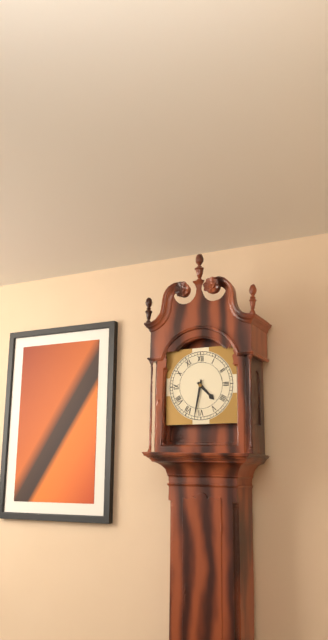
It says 4 h 32 min
